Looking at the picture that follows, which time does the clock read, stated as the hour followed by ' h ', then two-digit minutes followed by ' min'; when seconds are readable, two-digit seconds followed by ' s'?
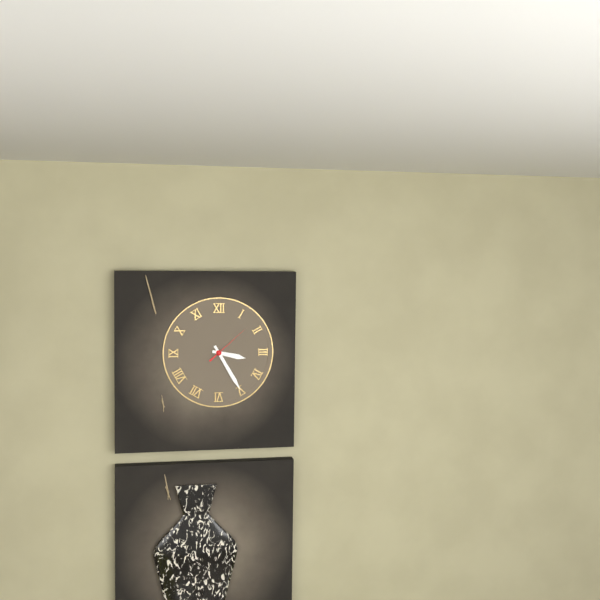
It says 3 h 25 min
